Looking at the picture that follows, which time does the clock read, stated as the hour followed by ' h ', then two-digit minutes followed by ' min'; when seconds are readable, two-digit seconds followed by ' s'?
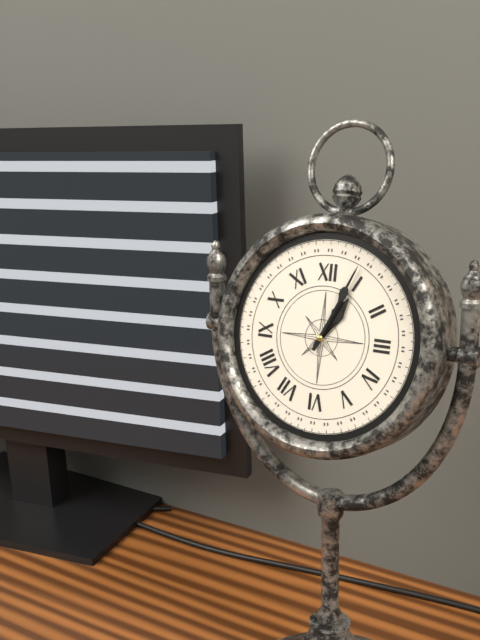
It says 1 h 04 min
